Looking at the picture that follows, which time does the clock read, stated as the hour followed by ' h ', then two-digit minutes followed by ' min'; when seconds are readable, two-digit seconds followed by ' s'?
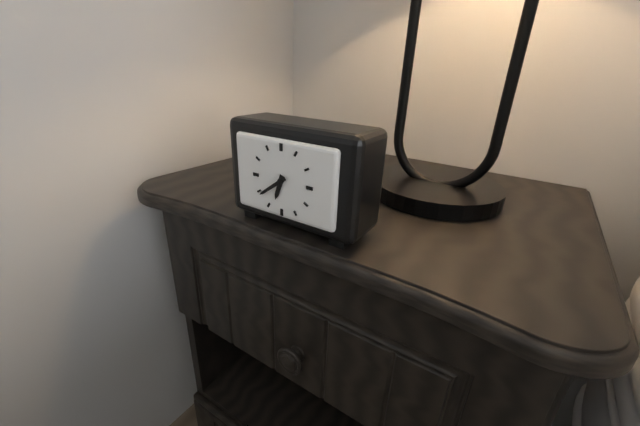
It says 6 h 39 min
